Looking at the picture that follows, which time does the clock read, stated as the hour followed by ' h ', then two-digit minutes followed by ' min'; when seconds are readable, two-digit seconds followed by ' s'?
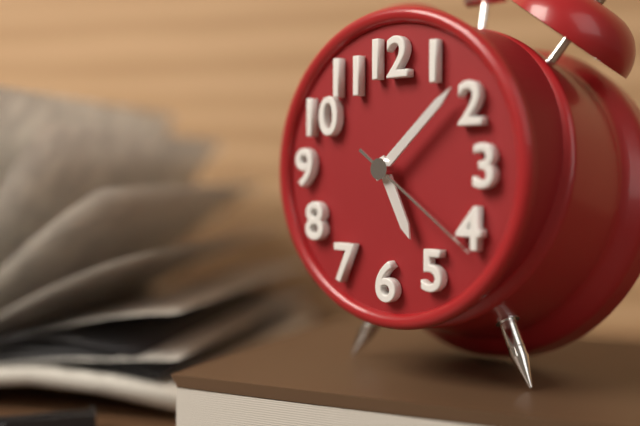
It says 5 h 08 min 21 s
